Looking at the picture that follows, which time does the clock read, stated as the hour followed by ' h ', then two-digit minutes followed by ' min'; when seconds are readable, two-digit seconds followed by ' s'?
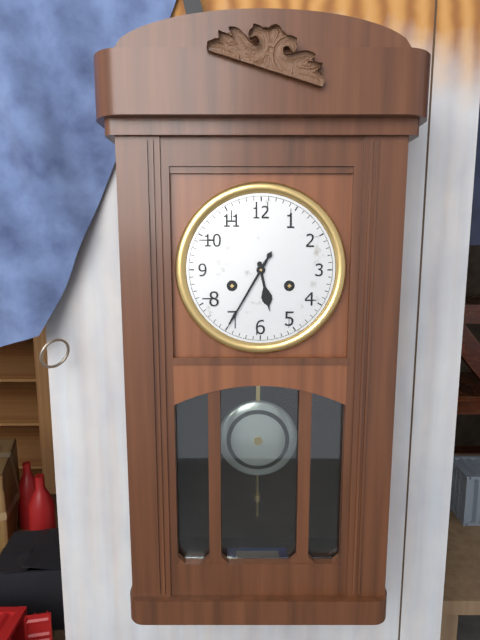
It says 5 h 35 min
